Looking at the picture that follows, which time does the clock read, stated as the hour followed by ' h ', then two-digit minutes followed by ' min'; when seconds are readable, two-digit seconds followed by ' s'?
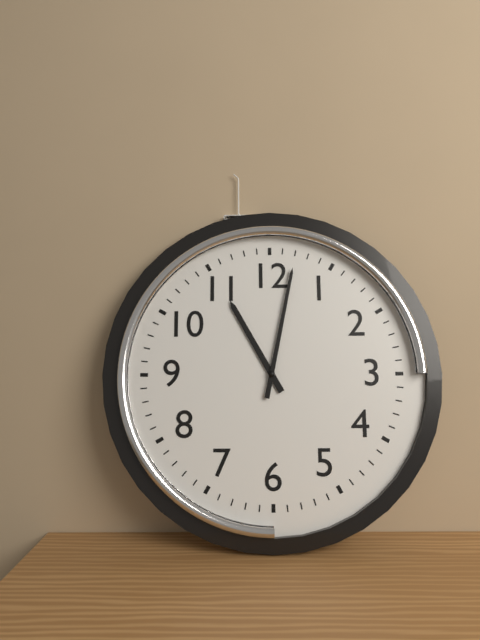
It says 11 h 02 min
